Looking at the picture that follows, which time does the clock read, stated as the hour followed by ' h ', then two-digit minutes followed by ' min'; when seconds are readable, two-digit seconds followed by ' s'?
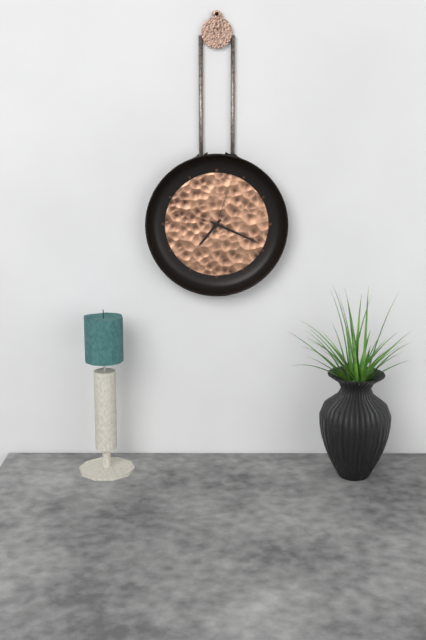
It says 7 h 19 min
